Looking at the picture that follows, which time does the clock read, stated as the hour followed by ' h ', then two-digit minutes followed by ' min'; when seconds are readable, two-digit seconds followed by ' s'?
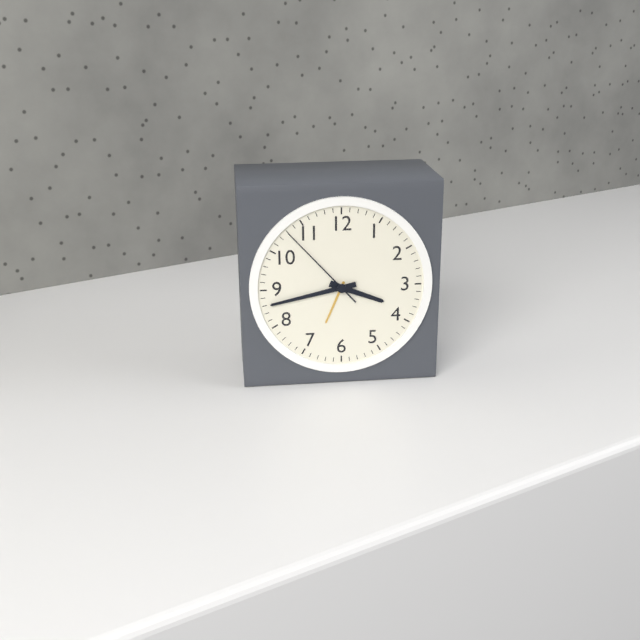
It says 3 h 43 min 53 s
